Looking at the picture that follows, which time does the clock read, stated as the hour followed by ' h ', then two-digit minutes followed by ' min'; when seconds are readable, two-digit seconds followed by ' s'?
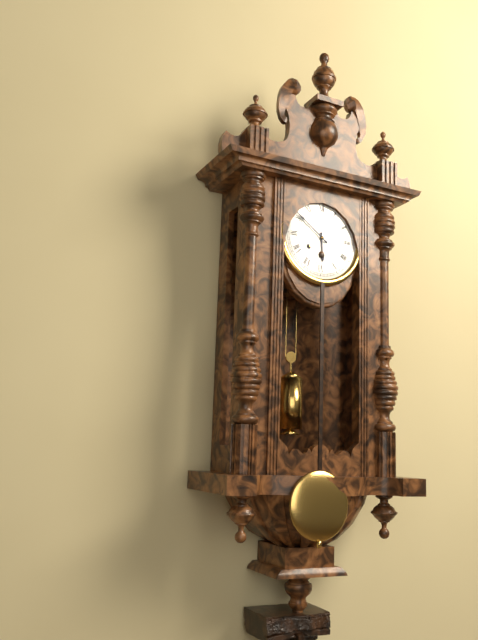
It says 5 h 51 min
